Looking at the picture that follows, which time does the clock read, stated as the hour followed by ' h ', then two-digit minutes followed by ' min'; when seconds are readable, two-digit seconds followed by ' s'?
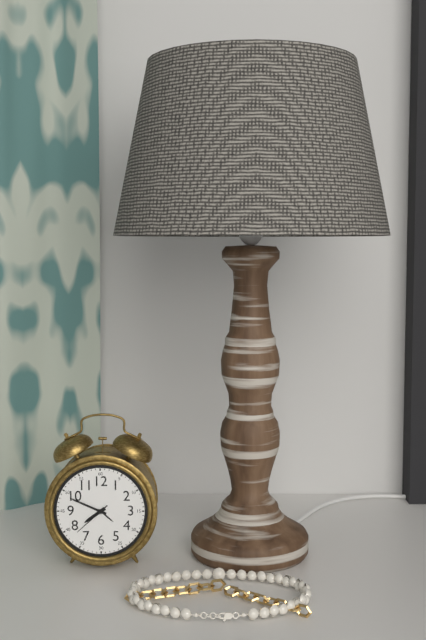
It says 7 h 49 min
